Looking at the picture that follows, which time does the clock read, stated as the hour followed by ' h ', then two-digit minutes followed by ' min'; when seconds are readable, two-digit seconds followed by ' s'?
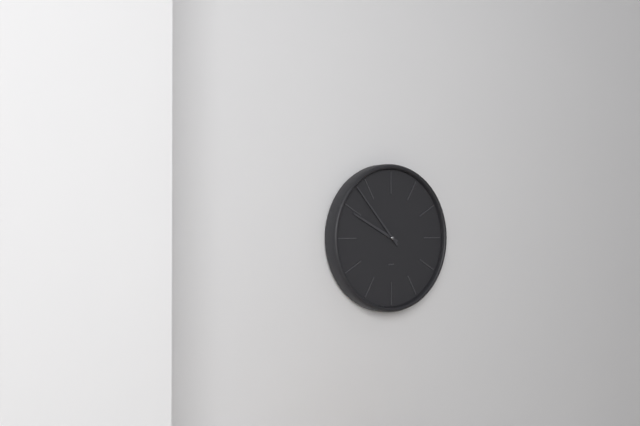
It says 9 h 53 min
